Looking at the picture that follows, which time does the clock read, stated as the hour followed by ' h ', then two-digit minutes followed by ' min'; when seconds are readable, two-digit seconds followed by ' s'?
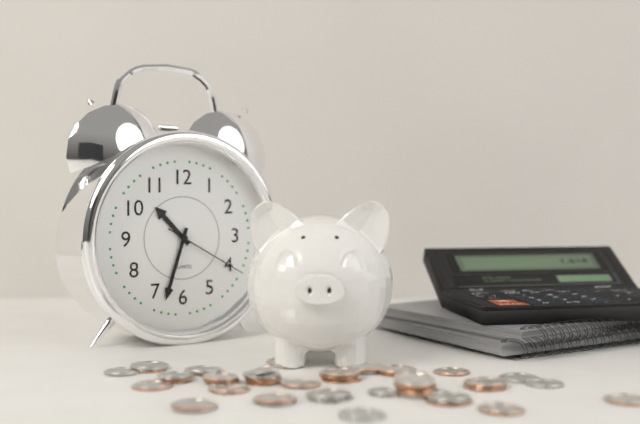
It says 10 h 33 min 20 s
